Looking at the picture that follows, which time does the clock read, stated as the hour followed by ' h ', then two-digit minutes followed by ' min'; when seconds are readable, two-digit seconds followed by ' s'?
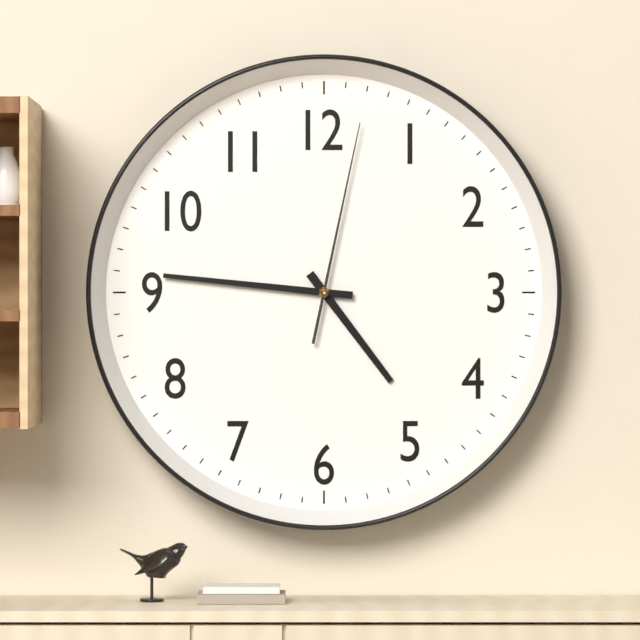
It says 4 h 46 min 02 s
